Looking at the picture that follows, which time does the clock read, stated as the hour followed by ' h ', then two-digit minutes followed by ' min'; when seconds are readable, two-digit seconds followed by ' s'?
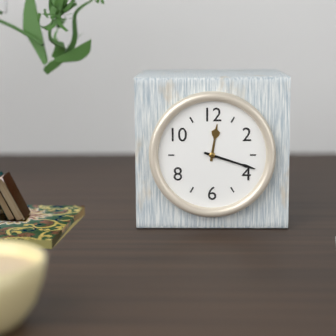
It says 12 h 18 min
